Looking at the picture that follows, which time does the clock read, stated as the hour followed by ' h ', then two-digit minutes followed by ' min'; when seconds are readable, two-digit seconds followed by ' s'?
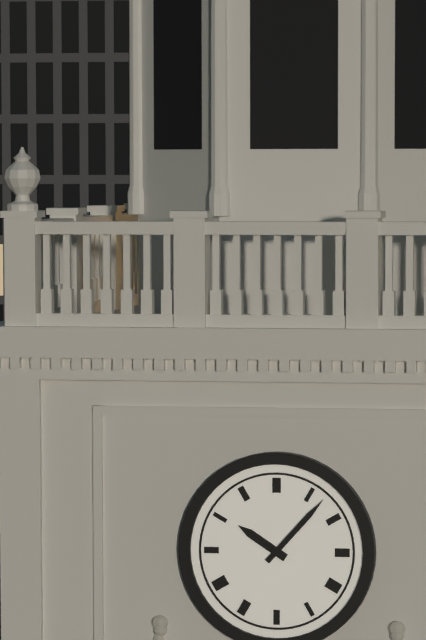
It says 10 h 07 min
